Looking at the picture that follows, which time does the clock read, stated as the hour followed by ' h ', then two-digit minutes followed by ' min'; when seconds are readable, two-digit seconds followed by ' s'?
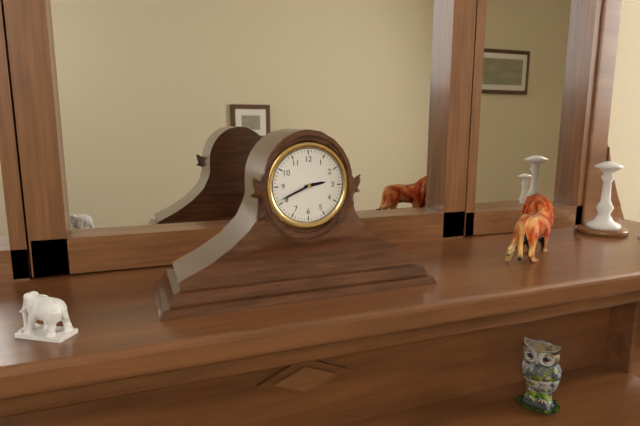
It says 2 h 41 min
